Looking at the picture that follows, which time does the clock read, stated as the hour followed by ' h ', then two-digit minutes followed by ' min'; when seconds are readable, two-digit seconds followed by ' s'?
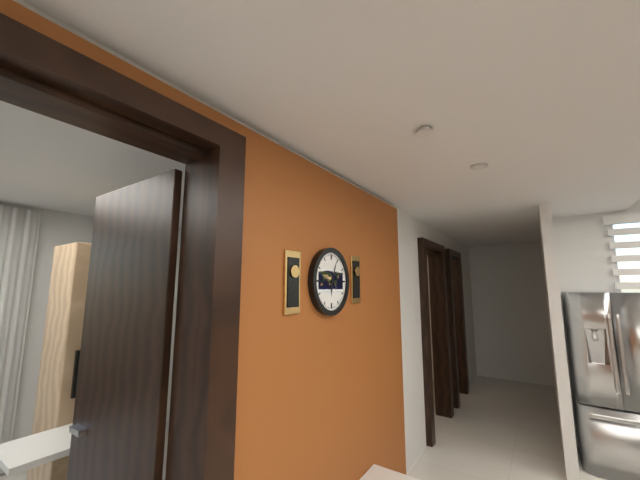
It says 6 h 04 min
